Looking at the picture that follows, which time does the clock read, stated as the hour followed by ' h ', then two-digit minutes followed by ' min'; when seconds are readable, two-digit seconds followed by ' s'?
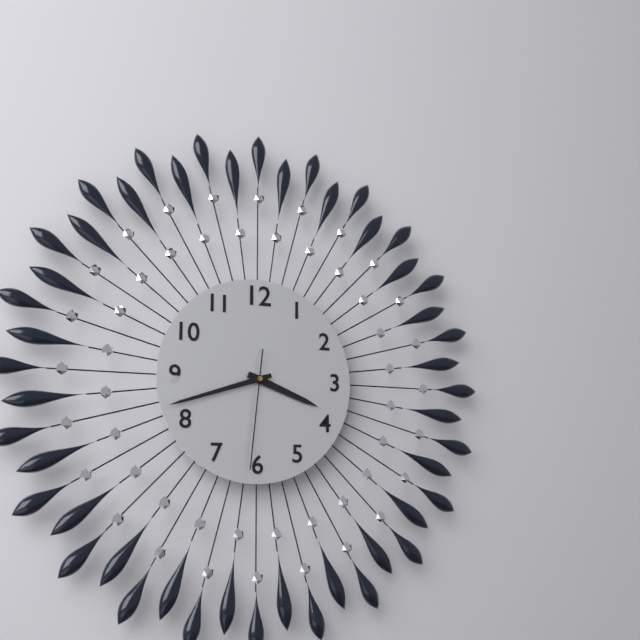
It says 3 h 42 min 31 s
